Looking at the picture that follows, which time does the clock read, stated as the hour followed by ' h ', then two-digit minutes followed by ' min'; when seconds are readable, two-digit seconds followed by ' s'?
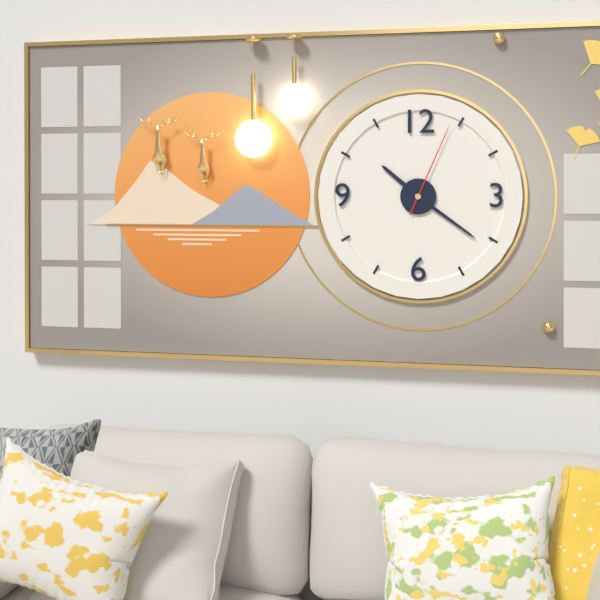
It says 10 h 21 min 04 s
